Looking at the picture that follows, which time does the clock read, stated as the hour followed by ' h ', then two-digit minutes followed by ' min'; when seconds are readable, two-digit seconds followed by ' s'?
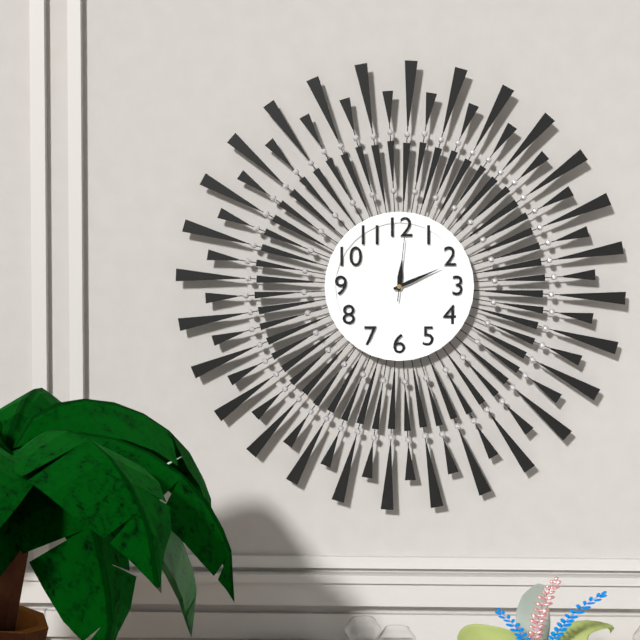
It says 12 h 11 min 01 s
